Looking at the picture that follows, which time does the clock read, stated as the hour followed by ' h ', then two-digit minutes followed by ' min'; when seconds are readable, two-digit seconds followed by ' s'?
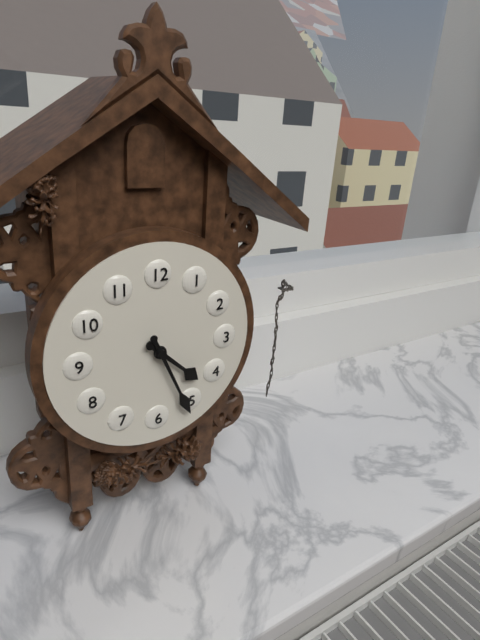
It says 4 h 26 min
